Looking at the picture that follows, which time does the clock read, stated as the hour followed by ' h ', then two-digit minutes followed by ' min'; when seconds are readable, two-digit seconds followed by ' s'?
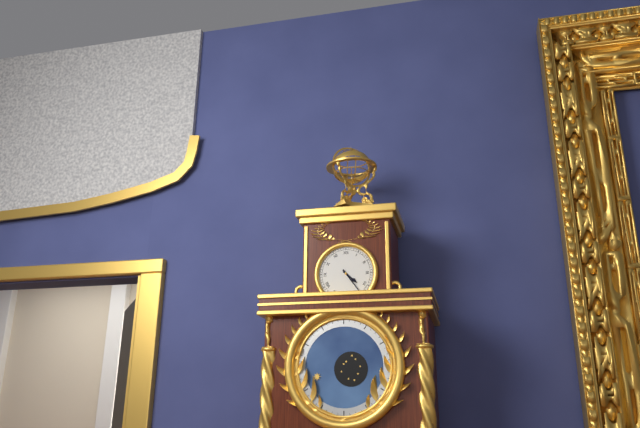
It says 4 h 24 min
